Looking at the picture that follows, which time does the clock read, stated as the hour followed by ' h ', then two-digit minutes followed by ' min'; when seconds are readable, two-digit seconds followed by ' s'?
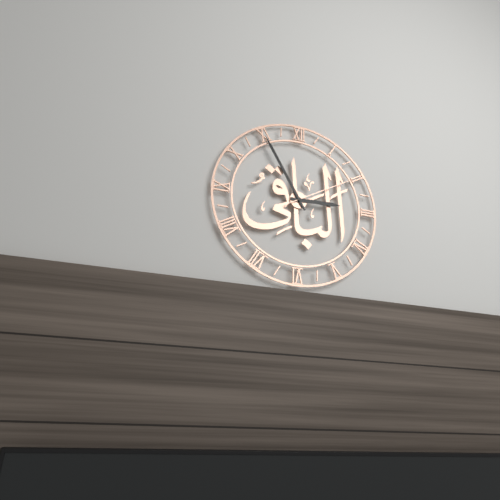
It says 2 h 55 min 10 s
